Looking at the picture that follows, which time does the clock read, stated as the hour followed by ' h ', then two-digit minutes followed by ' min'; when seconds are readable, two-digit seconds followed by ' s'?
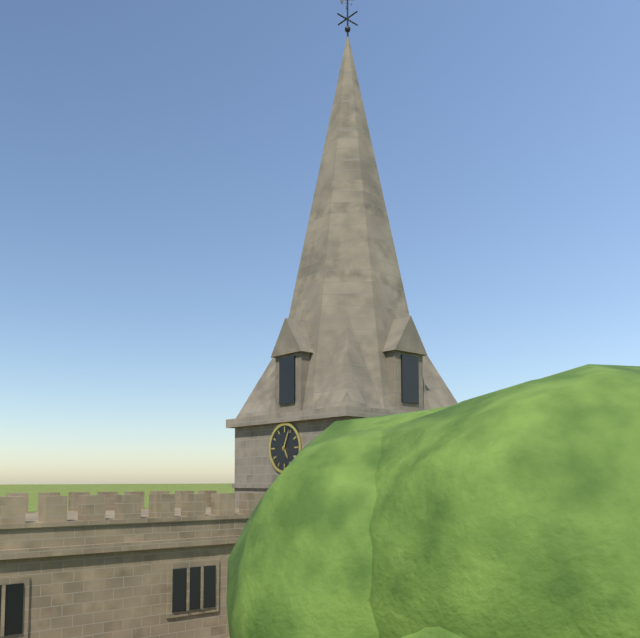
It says 5 h 04 min
